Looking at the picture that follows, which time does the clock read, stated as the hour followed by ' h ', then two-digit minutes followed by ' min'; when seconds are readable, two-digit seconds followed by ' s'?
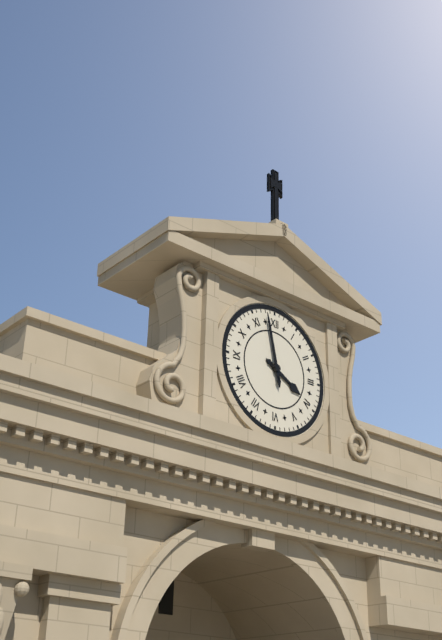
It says 3 h 58 min
